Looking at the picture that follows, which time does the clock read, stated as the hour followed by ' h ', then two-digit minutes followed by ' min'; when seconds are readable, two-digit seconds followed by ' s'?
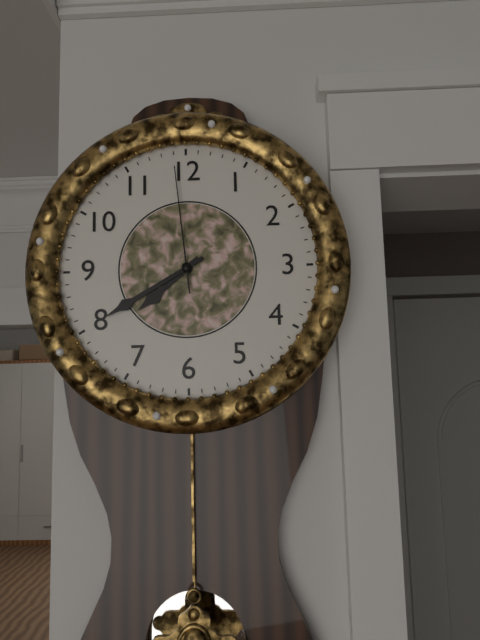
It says 7 h 40 min 59 s
